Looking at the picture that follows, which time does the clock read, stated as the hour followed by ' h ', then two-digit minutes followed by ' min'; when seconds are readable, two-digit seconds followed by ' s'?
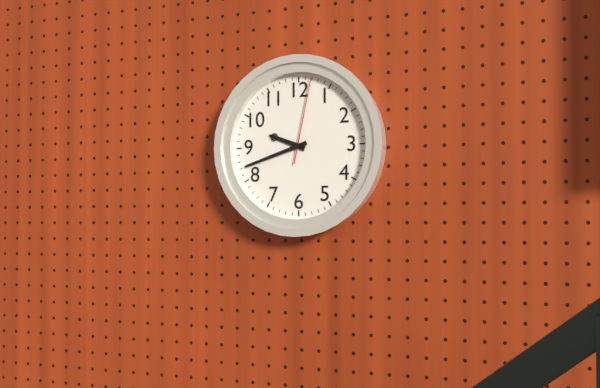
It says 9 h 42 min 02 s
